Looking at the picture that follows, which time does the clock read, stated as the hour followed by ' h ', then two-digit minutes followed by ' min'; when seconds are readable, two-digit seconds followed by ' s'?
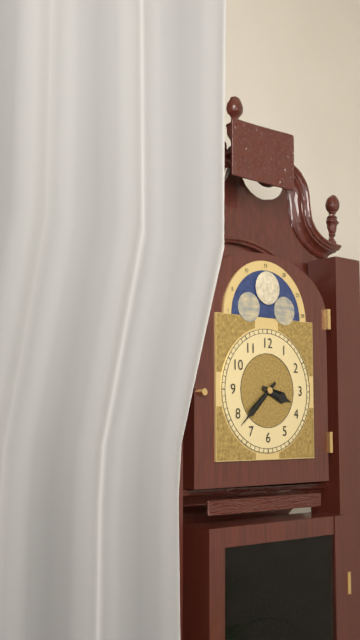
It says 3 h 38 min
